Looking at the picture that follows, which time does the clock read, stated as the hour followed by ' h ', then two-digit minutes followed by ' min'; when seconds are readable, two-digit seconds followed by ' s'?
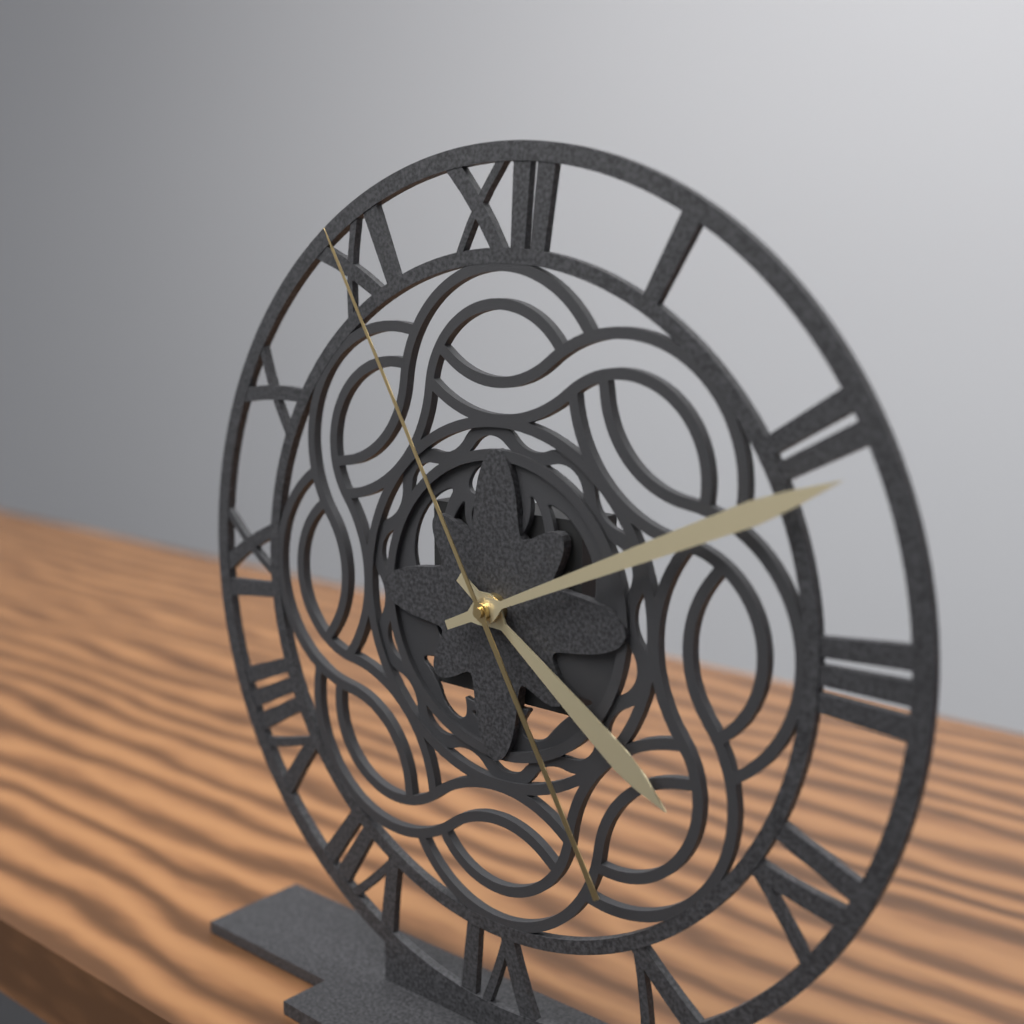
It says 4 h 11 min 55 s
